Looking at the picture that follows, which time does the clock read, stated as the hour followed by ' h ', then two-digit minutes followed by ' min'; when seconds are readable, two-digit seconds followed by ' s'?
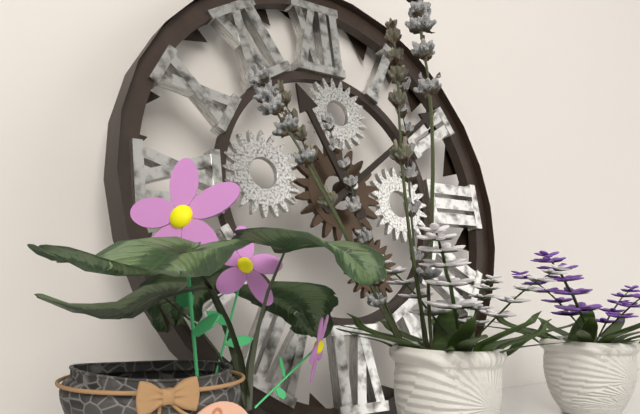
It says 11 h 09 min
